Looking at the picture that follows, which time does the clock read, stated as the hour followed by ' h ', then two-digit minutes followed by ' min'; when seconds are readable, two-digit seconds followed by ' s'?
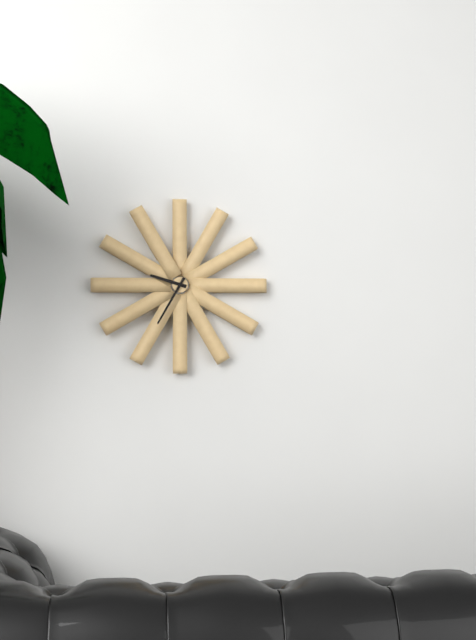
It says 9 h 35 min
